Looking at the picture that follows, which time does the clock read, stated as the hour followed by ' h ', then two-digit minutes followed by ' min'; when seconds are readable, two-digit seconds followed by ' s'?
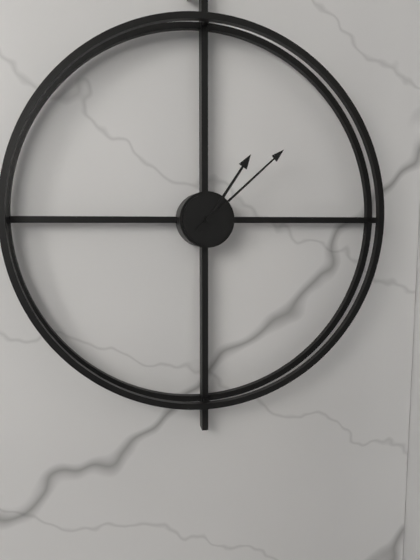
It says 1 h 08 min
